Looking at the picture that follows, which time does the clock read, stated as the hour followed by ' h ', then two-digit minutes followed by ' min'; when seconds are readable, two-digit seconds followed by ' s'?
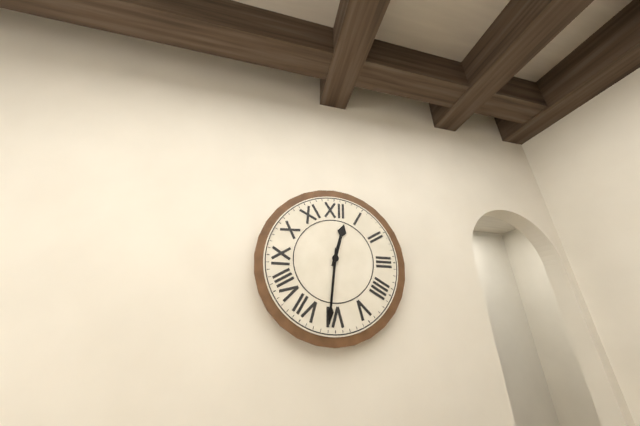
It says 12 h 31 min
